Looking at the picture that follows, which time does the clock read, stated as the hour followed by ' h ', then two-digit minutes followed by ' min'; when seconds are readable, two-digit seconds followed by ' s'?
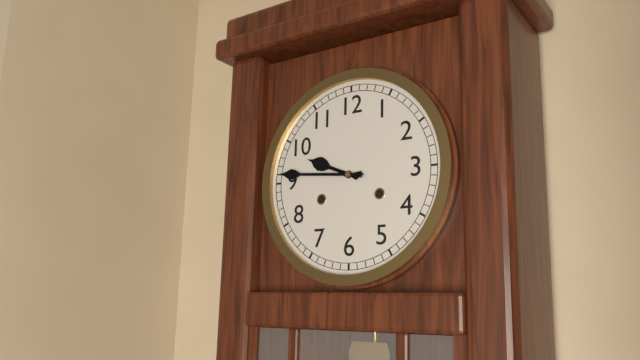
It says 9 h 46 min
